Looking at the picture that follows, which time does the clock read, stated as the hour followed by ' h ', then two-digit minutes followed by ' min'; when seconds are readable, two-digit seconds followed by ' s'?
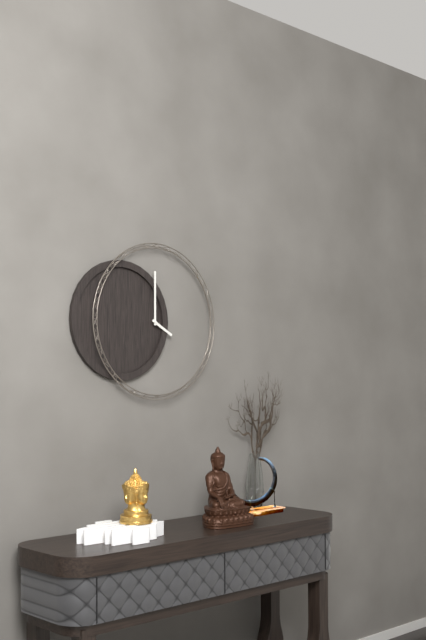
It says 4 h 00 min
